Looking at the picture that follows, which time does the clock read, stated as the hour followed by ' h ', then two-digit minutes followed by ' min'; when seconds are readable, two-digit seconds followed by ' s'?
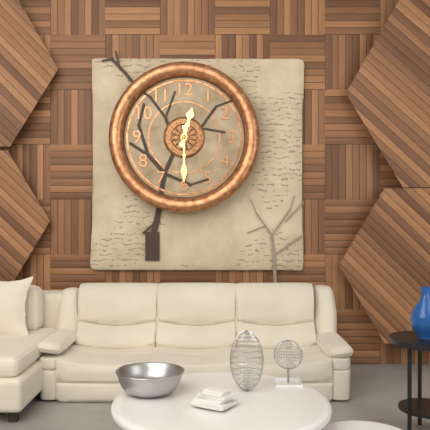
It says 12 h 30 min
